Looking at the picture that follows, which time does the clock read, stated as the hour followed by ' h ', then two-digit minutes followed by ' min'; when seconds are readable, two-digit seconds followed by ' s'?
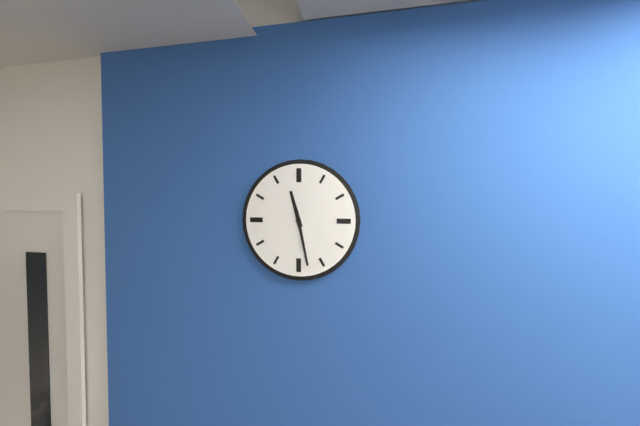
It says 11 h 28 min
